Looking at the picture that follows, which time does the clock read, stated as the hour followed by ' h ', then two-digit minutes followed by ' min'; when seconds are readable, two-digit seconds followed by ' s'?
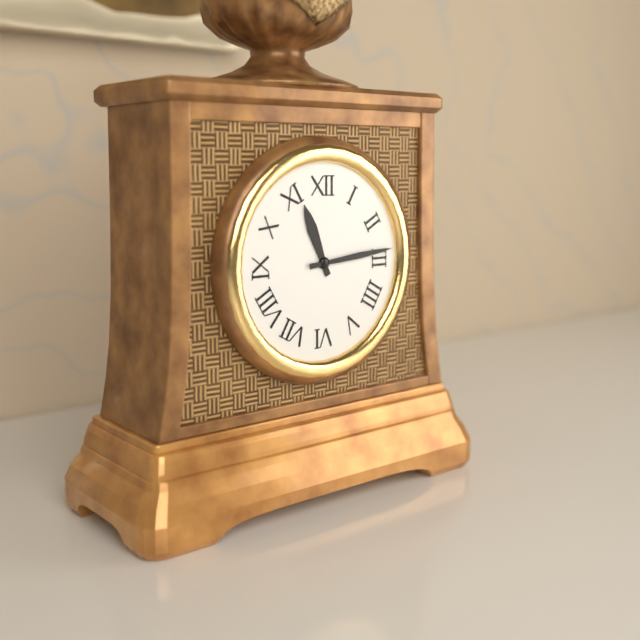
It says 11 h 14 min
